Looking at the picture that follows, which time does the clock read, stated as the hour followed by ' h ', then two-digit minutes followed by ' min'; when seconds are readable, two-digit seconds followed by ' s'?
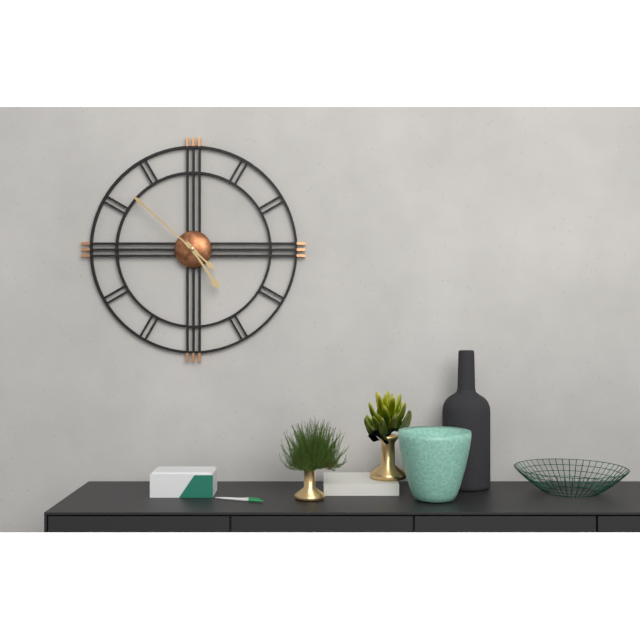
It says 4 h 52 min
